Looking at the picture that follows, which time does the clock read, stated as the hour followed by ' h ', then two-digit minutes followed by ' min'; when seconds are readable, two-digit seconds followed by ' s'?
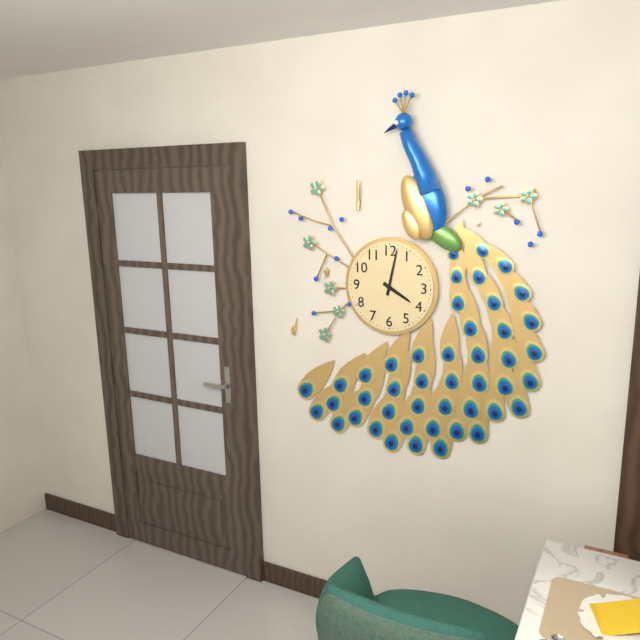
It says 4 h 02 min
